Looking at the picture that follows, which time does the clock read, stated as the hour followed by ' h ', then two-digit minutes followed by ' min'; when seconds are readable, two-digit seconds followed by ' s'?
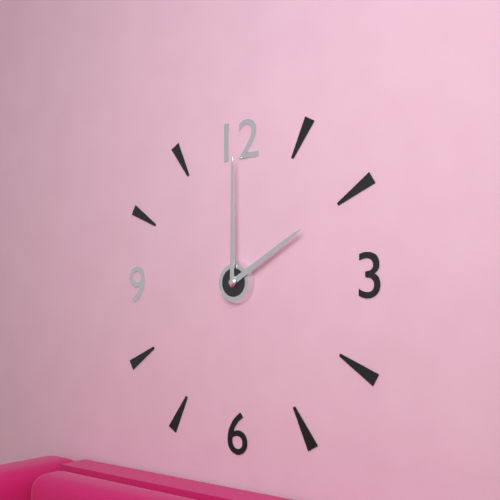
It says 2 h 00 min
